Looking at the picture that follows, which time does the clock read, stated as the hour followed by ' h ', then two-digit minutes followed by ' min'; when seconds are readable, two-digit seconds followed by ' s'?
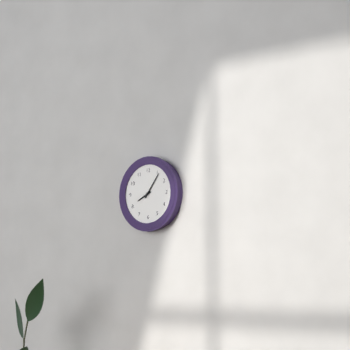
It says 8 h 06 min
